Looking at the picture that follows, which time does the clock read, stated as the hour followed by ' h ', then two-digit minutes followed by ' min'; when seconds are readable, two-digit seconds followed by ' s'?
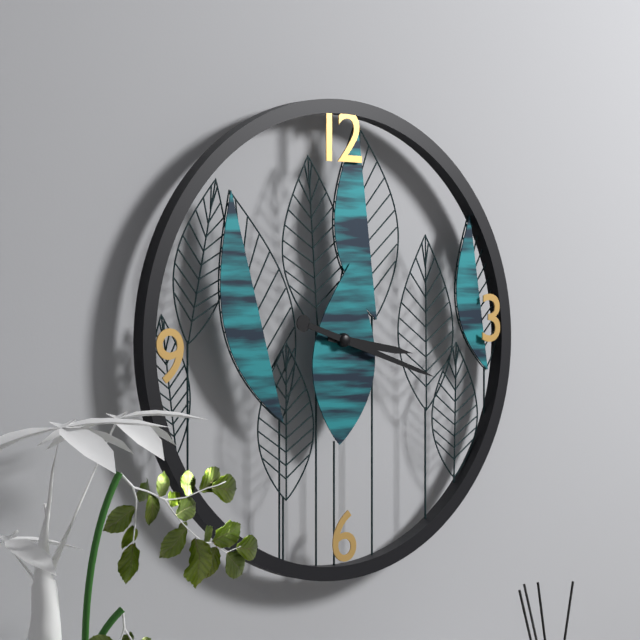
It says 3 h 18 min
